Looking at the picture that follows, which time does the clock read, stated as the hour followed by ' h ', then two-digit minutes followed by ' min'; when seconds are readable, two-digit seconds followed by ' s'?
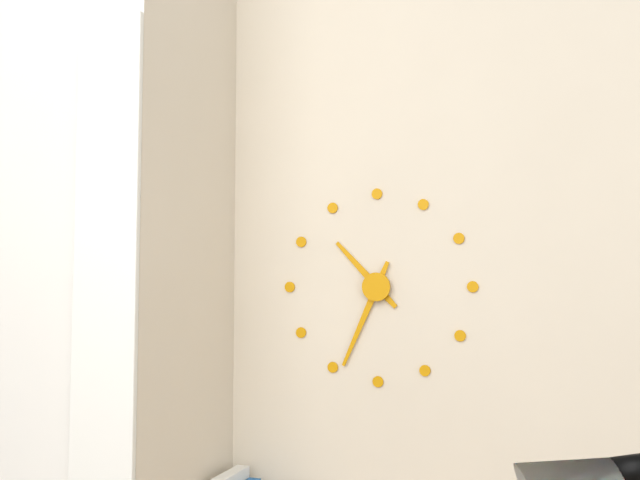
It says 10 h 34 min
